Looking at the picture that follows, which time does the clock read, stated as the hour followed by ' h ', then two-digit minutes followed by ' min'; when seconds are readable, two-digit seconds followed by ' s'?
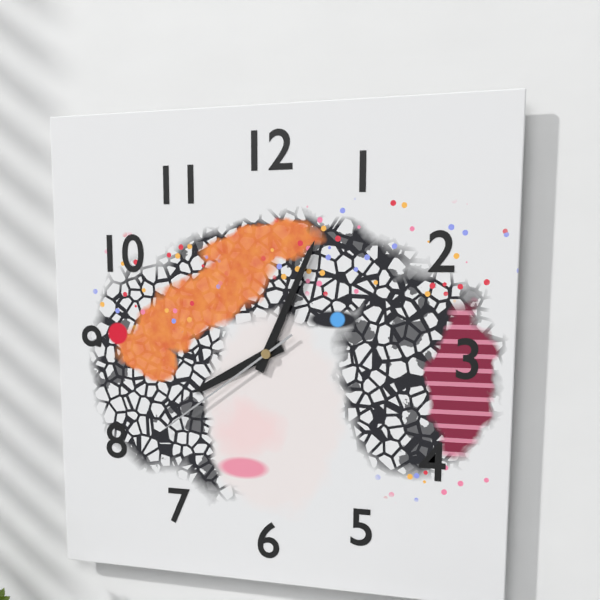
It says 8 h 04 min 39 s
